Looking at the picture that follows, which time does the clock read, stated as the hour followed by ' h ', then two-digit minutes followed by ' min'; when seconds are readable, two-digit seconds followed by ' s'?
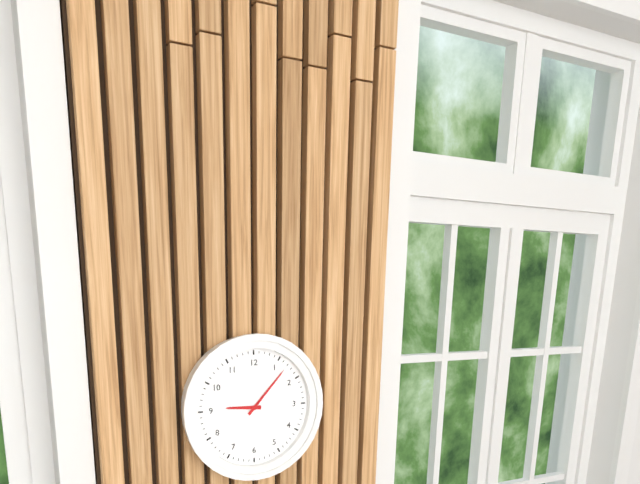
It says 9 h 07 min
